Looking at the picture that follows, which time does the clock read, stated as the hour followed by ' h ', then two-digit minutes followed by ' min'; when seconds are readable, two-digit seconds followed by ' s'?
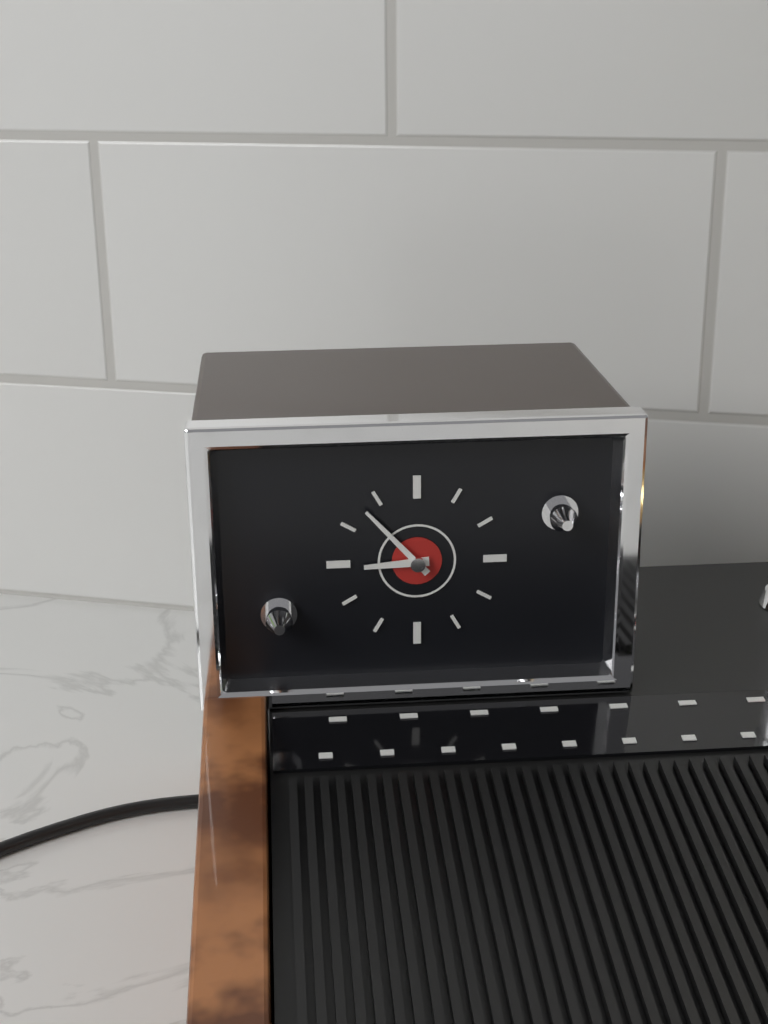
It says 8 h 53 min
